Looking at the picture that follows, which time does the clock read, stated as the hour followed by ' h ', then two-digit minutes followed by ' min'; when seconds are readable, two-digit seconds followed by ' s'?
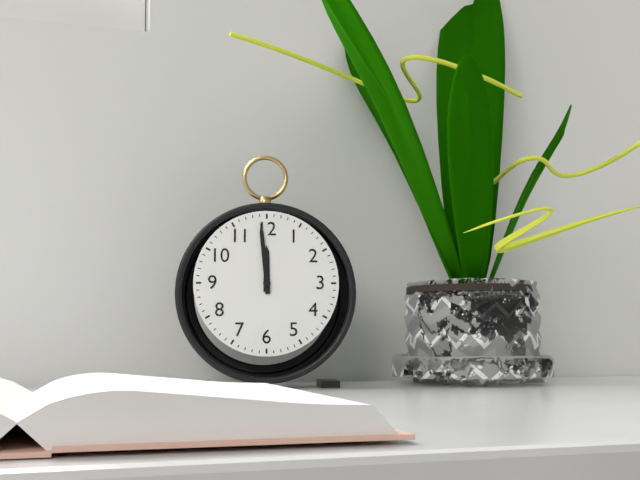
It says 11 h 59 min
